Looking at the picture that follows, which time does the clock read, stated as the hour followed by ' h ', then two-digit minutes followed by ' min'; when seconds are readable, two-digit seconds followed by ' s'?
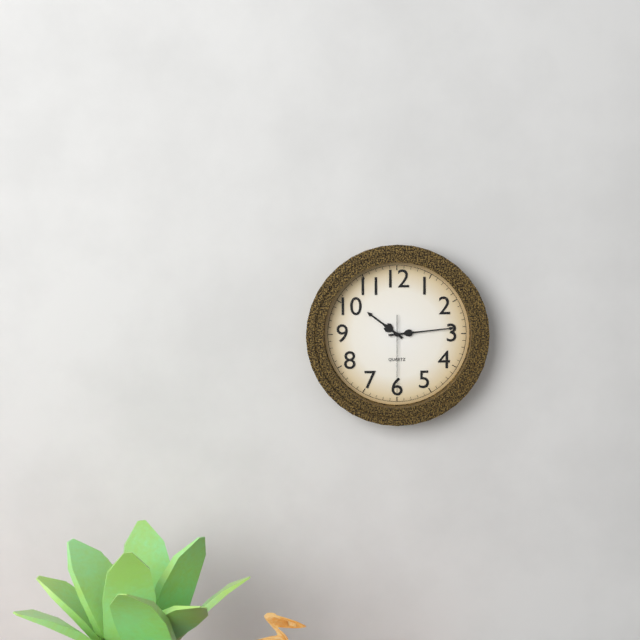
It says 10 h 14 min 30 s
